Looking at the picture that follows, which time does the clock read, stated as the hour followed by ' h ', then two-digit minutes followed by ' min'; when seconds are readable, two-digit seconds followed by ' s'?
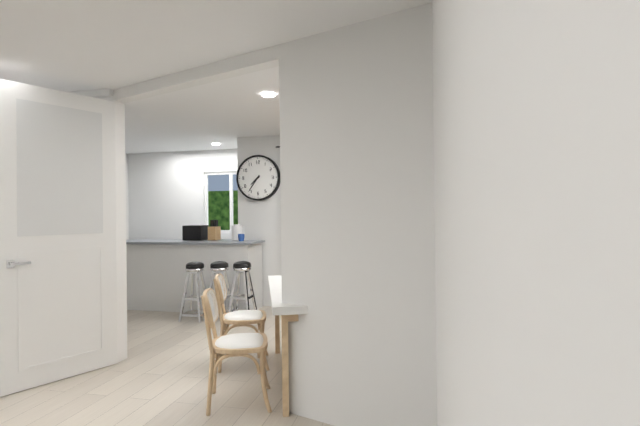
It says 7 h 36 min
